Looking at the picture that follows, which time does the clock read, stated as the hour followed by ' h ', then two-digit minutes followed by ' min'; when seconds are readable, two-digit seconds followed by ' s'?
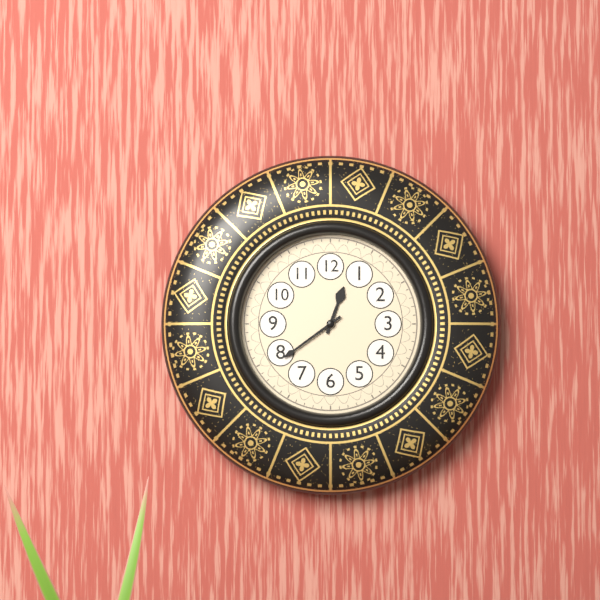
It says 12 h 39 min
